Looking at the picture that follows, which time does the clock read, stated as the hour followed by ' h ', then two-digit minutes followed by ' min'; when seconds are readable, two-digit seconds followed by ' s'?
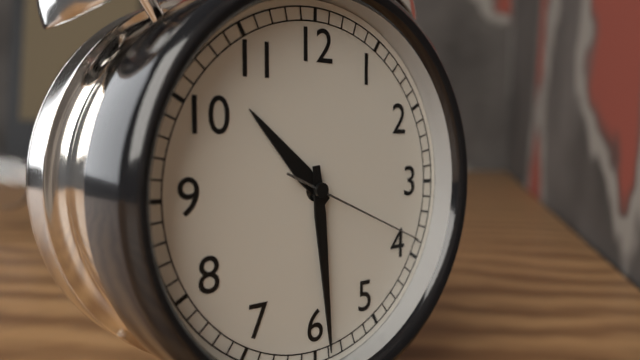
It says 10 h 29 min 19 s
